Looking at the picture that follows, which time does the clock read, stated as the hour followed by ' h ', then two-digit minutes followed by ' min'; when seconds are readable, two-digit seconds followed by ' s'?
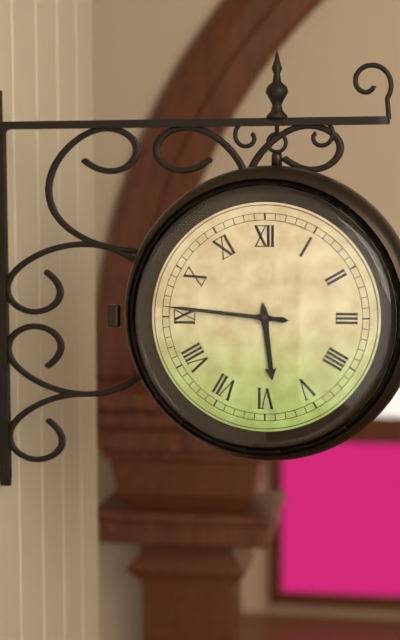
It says 5 h 46 min
